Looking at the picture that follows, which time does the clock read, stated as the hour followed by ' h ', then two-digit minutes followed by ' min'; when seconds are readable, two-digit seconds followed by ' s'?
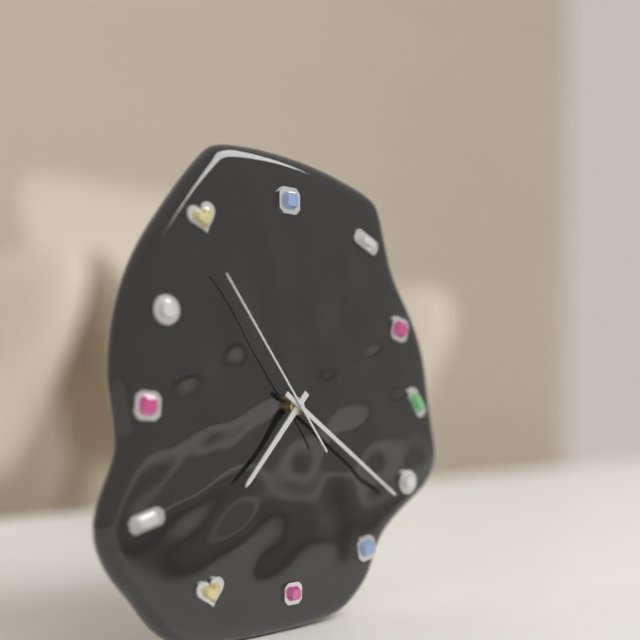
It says 7 h 21 min 54 s
